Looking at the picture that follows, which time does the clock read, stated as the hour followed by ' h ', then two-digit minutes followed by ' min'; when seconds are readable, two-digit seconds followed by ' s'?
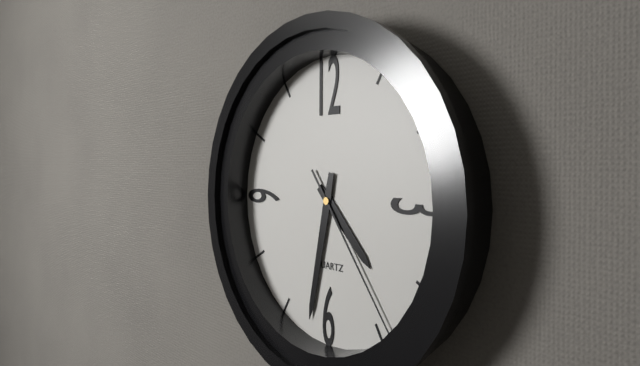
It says 4 h 32 min 24 s
